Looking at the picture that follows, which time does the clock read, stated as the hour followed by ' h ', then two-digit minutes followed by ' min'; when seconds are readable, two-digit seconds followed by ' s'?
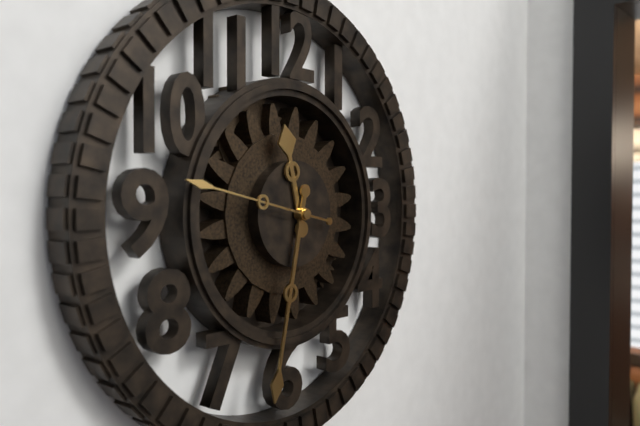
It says 11 h 32 min 47 s
